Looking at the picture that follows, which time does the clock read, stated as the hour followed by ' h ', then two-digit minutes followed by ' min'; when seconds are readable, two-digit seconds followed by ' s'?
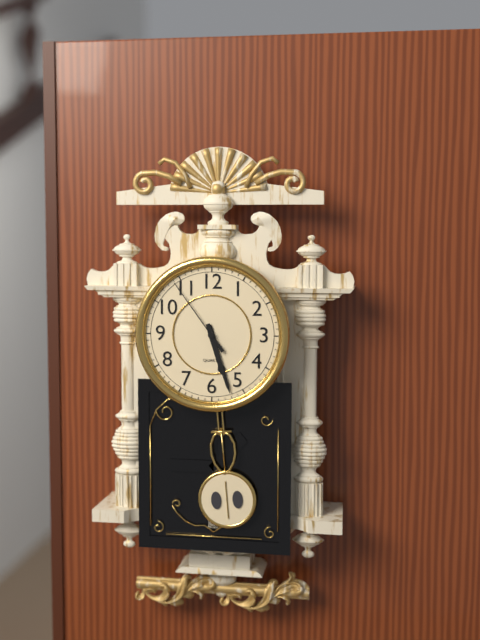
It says 5 h 27 min 54 s
